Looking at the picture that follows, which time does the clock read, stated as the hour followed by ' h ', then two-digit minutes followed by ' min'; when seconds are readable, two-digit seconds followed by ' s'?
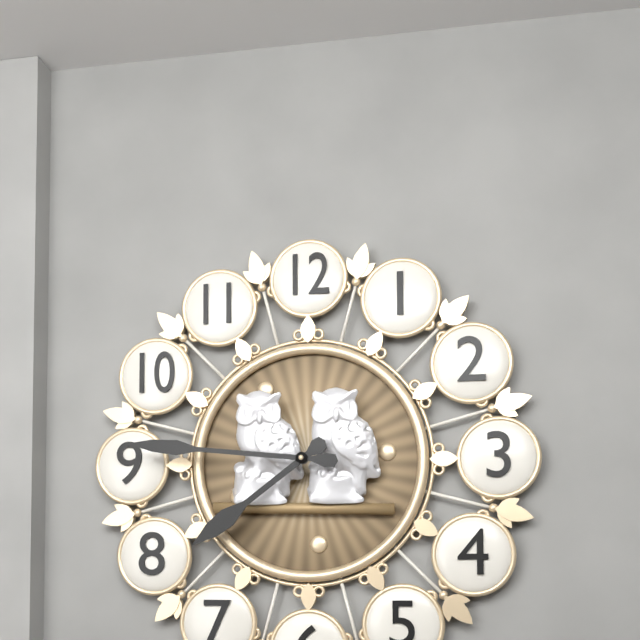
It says 7 h 46 min
